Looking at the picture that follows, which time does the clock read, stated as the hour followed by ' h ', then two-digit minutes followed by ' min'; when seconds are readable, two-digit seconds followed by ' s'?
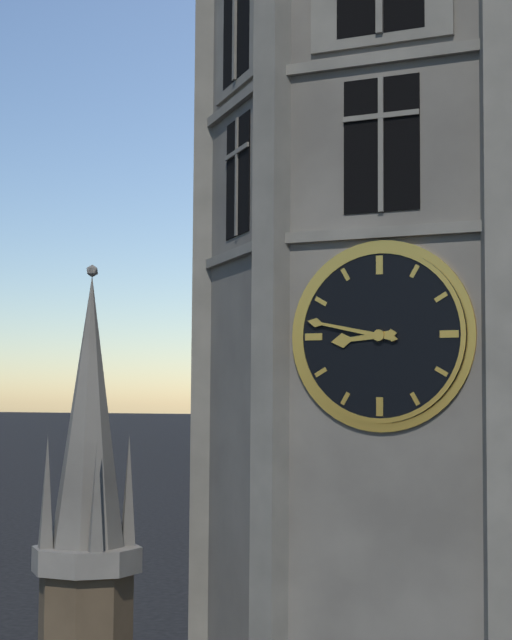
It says 8 h 47 min
